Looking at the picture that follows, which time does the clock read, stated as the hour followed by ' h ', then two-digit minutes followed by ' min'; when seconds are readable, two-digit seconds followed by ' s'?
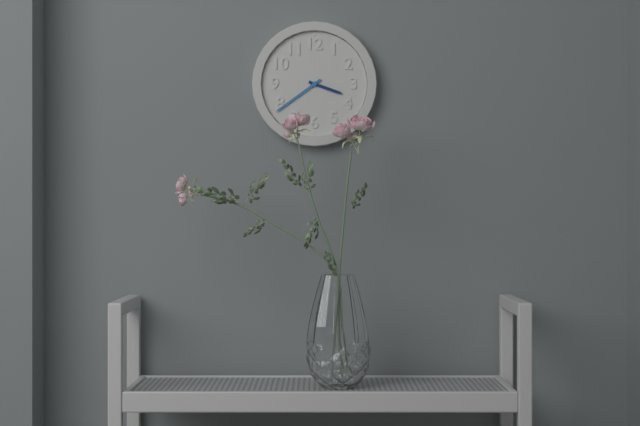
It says 3 h 39 min
